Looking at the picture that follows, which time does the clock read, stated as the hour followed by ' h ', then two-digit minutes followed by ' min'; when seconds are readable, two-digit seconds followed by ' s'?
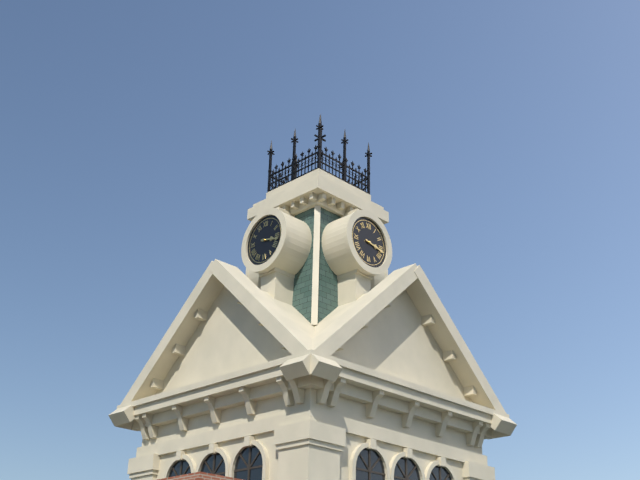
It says 3 h 17 min
